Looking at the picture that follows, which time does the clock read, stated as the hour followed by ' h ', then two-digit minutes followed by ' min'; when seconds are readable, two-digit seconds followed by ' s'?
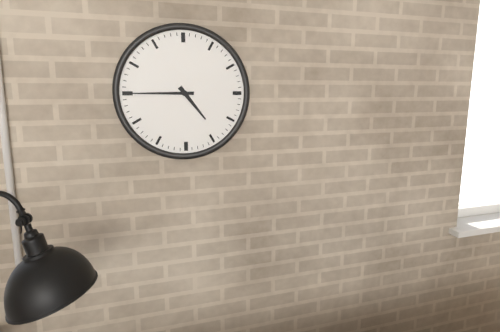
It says 4 h 45 min
